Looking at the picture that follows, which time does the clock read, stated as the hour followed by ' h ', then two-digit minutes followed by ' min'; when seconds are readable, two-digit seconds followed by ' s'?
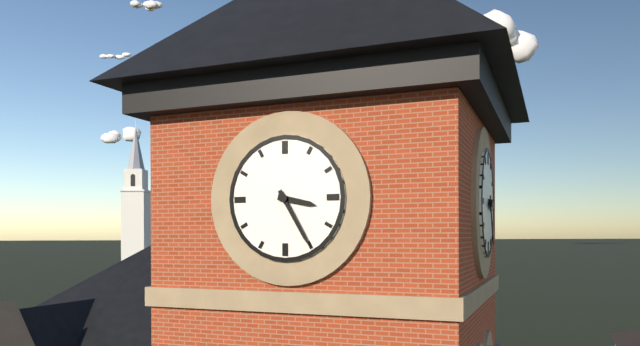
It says 3 h 25 min
